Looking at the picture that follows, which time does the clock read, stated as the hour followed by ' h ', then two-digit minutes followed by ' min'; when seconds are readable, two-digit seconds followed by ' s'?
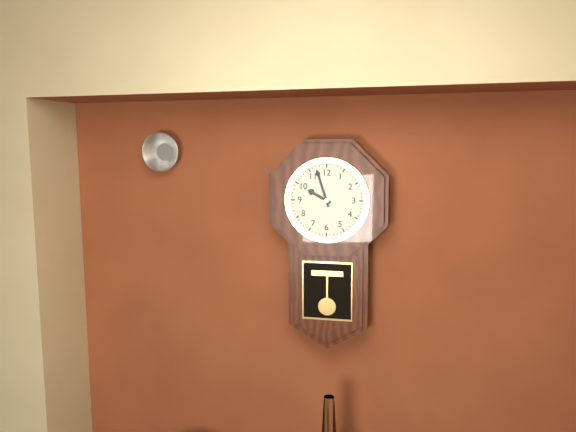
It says 9 h 57 min
